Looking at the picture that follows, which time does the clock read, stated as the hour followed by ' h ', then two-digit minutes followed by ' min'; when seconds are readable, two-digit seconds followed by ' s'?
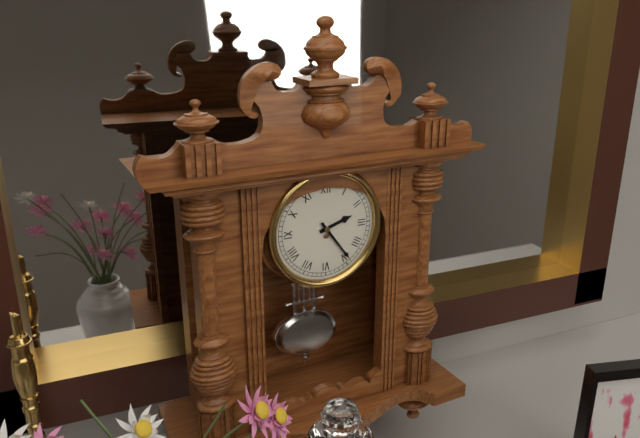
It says 2 h 24 min
